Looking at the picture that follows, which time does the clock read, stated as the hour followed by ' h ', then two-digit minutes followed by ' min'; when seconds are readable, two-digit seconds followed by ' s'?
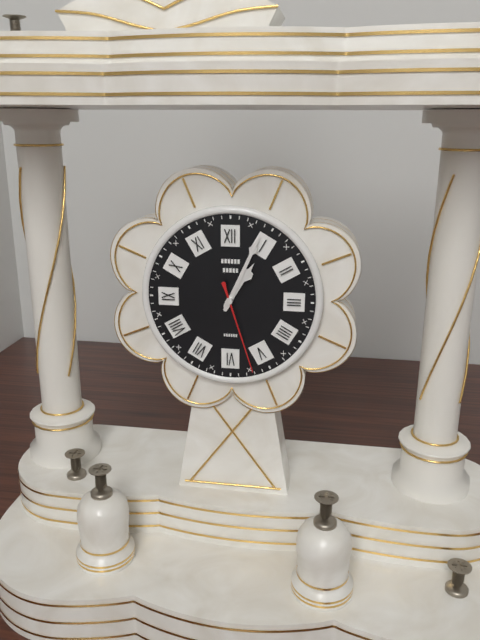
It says 1 h 04 min 27 s
